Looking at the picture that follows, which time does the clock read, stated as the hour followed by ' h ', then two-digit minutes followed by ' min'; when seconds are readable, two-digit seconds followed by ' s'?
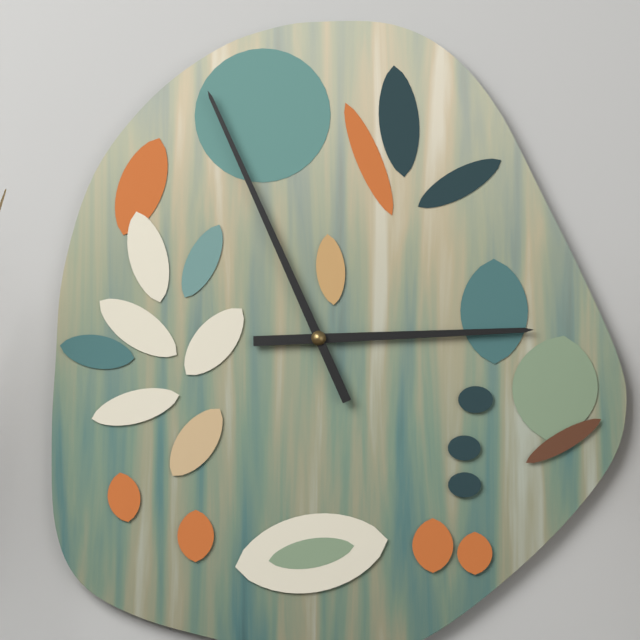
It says 2 h 56 min
